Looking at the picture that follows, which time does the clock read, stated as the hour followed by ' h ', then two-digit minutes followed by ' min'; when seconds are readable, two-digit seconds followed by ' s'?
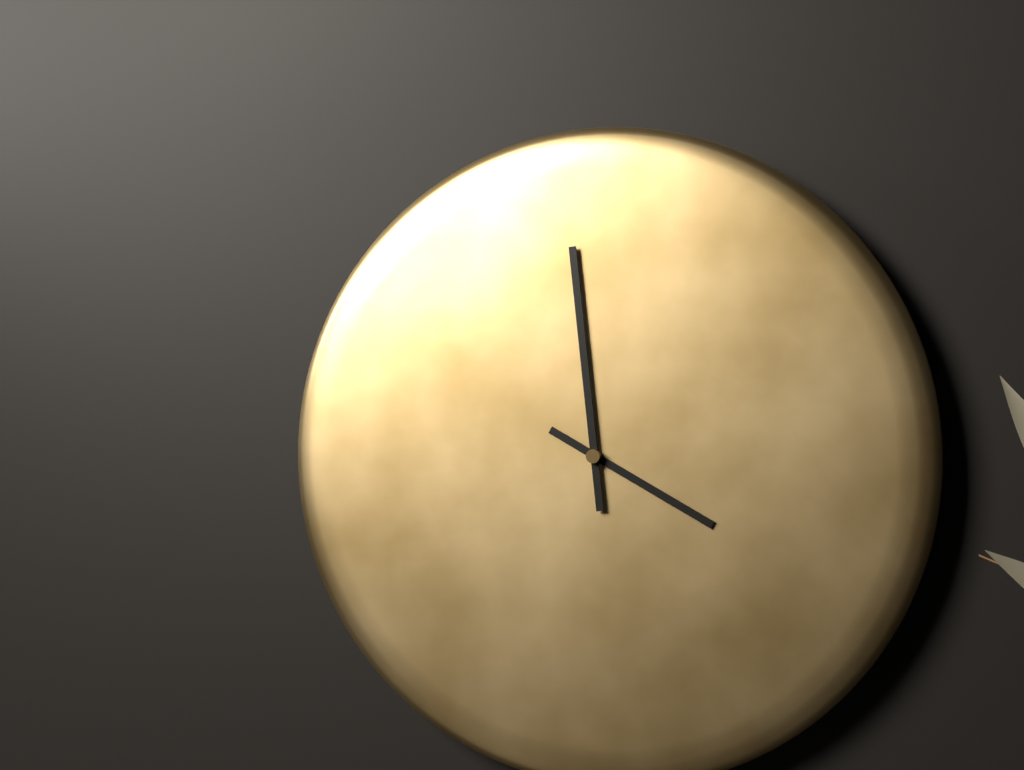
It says 3 h 59 min
